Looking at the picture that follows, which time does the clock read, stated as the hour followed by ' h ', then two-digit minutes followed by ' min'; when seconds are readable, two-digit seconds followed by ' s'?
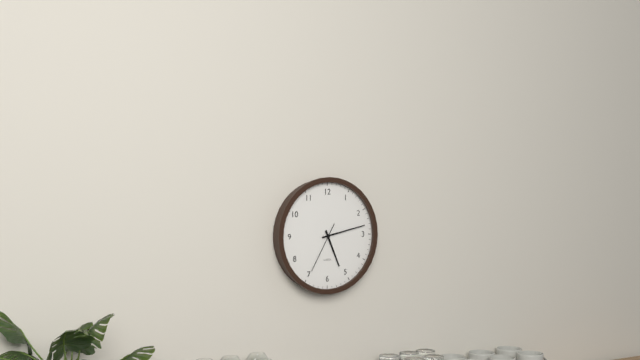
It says 5 h 13 min
